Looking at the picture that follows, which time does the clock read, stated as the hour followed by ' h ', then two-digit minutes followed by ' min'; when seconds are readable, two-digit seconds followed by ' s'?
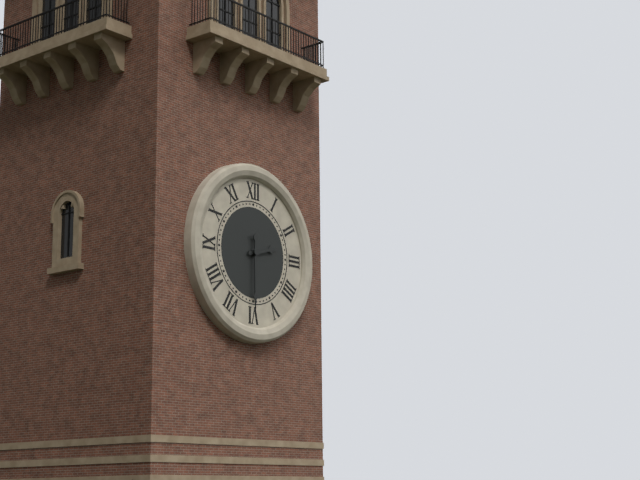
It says 2 h 30 min
